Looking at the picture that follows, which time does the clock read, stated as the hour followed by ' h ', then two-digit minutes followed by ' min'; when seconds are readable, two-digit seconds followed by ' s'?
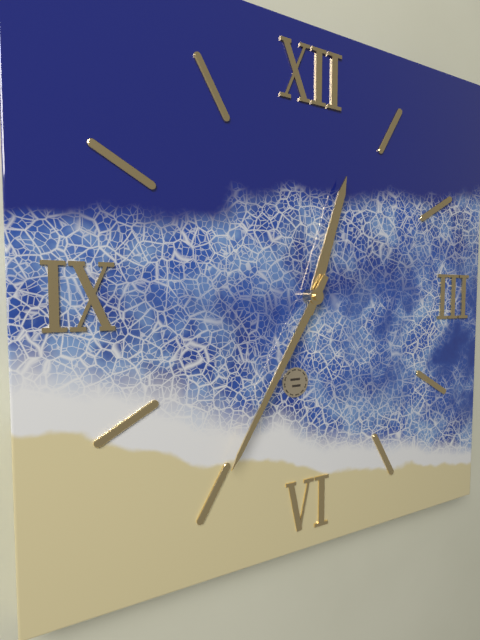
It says 12 h 35 min
